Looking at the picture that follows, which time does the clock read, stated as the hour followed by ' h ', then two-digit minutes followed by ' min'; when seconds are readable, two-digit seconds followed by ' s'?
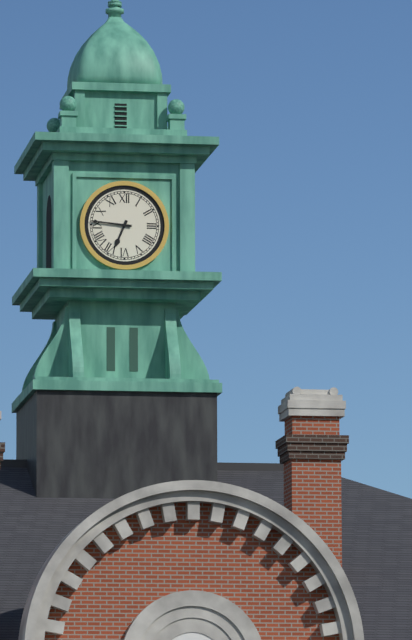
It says 6 h 46 min
